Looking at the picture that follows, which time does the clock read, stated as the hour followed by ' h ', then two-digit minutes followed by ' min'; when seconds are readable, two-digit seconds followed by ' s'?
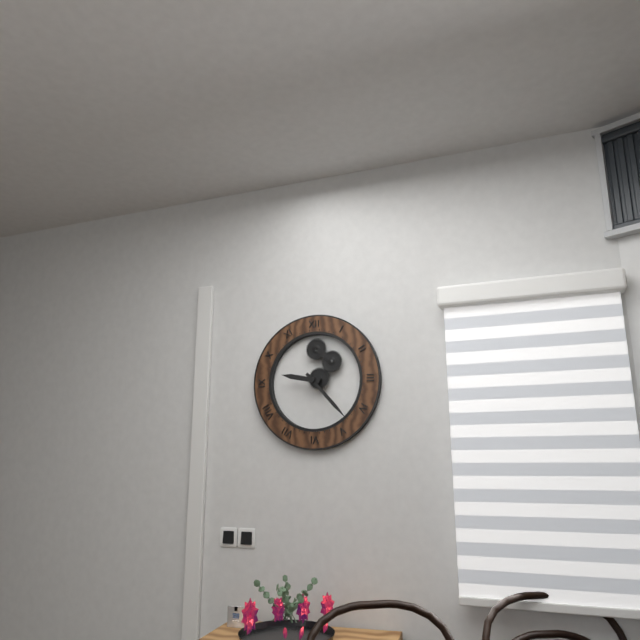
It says 9 h 23 min
